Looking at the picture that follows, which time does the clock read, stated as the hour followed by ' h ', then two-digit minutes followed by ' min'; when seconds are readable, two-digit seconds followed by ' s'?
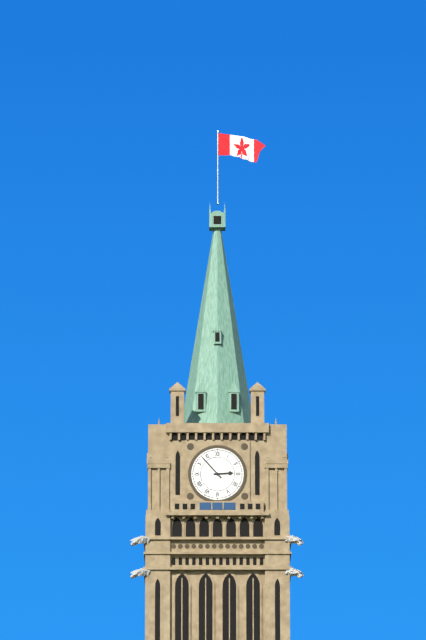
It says 2 h 53 min
